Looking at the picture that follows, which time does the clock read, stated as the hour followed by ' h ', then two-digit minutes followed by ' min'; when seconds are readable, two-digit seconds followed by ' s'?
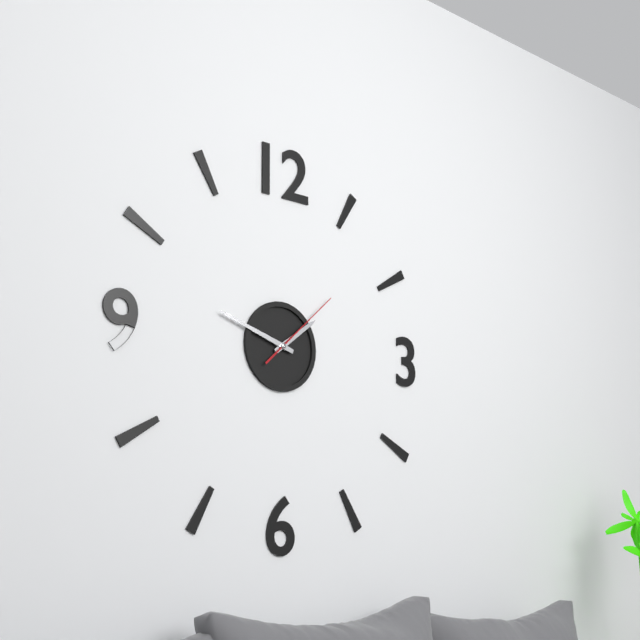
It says 1 h 48 min 08 s
